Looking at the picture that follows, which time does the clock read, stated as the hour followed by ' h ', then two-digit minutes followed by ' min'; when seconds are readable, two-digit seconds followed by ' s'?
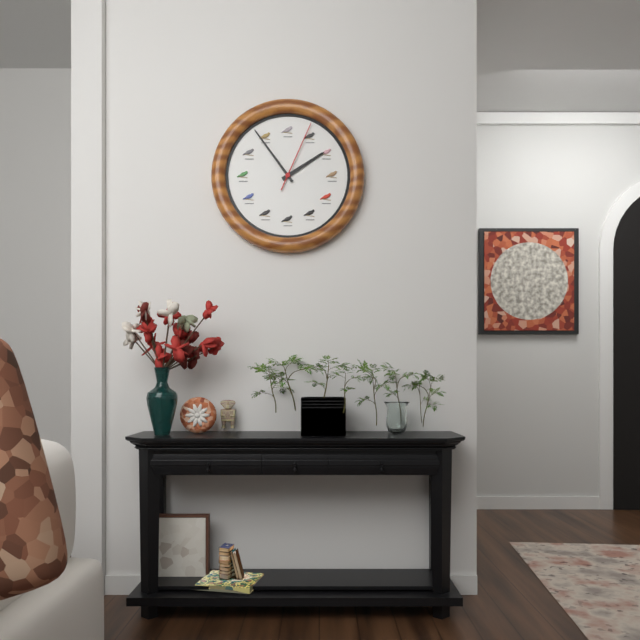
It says 1 h 54 min 04 s
